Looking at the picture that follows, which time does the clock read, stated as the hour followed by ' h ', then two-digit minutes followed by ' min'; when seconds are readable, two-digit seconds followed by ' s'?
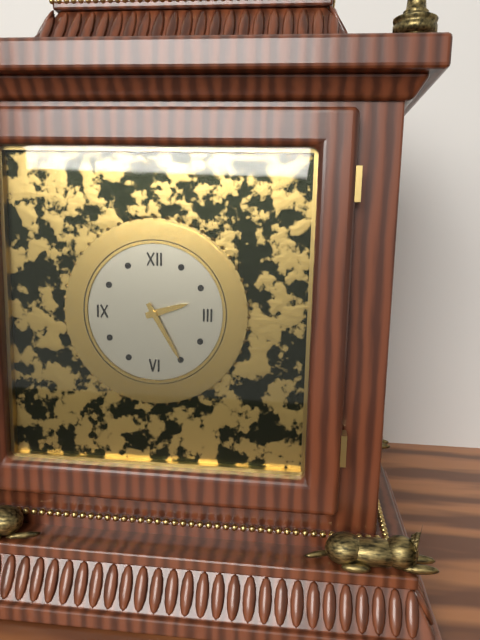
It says 2 h 25 min
